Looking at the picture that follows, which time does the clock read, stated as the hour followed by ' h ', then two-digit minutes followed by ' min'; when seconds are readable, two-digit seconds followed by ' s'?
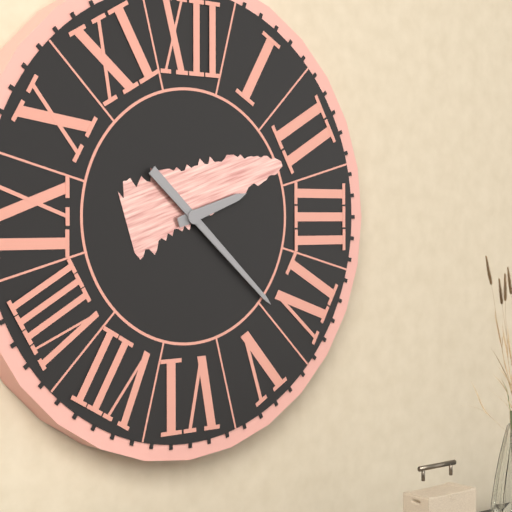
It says 2 h 22 min
